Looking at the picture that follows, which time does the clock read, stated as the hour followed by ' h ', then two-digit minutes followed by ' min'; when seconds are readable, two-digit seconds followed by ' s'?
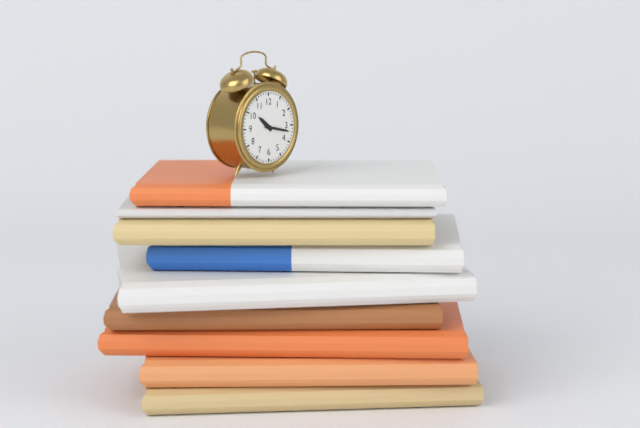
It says 10 h 17 min
